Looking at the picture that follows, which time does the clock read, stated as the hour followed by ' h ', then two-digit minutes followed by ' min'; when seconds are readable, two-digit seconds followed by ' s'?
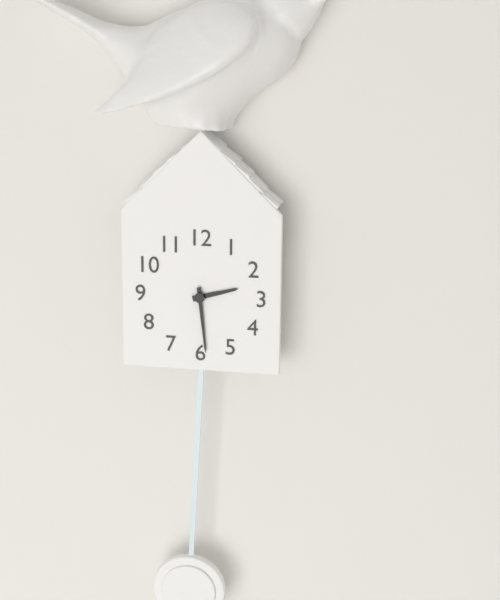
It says 2 h 29 min
